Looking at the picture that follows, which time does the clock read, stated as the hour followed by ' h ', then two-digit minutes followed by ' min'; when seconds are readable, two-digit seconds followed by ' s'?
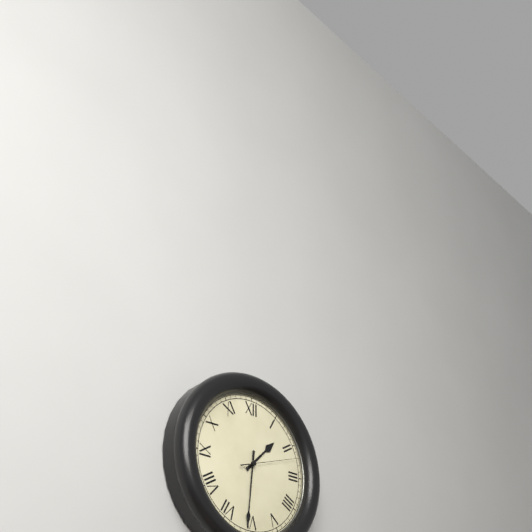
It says 1 h 31 min 12 s
